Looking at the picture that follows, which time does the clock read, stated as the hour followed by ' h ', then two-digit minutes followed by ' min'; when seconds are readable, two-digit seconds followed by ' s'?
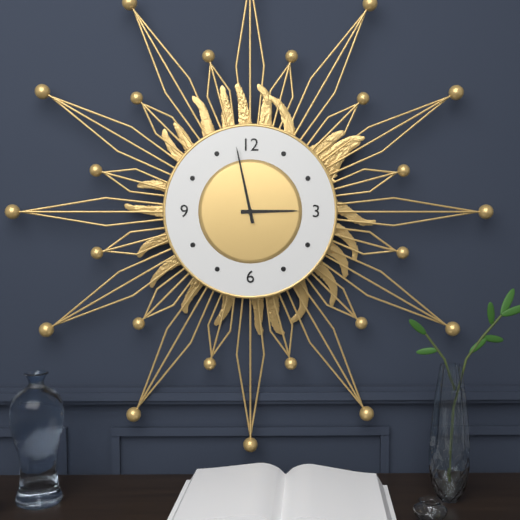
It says 2 h 58 min
